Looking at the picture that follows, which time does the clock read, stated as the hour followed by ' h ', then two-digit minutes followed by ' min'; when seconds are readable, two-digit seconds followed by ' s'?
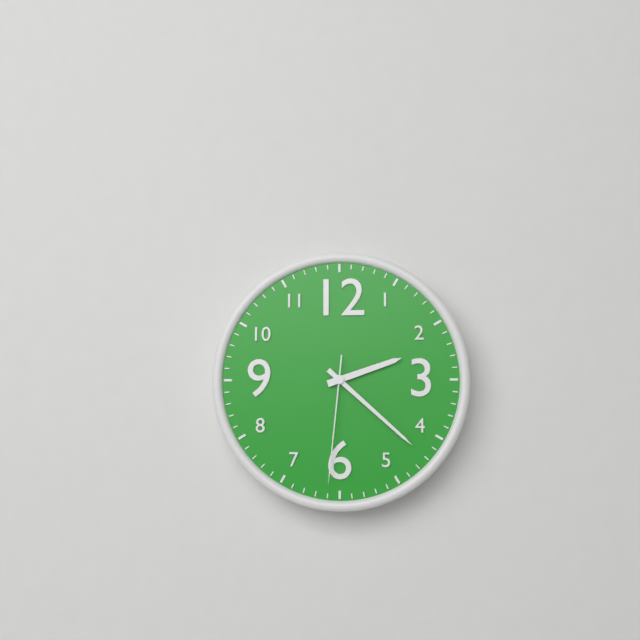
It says 2 h 22 min 31 s
